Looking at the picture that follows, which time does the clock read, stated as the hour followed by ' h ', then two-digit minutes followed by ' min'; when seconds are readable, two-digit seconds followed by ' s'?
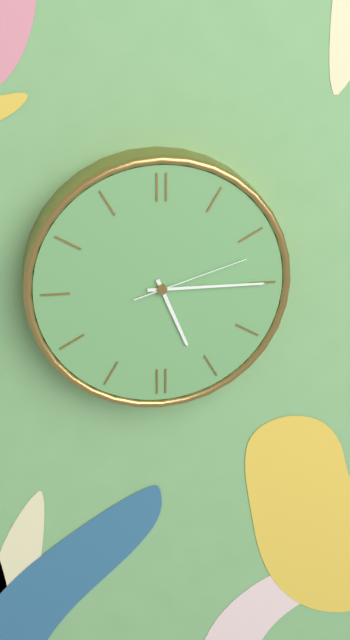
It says 5 h 15 min 12 s
